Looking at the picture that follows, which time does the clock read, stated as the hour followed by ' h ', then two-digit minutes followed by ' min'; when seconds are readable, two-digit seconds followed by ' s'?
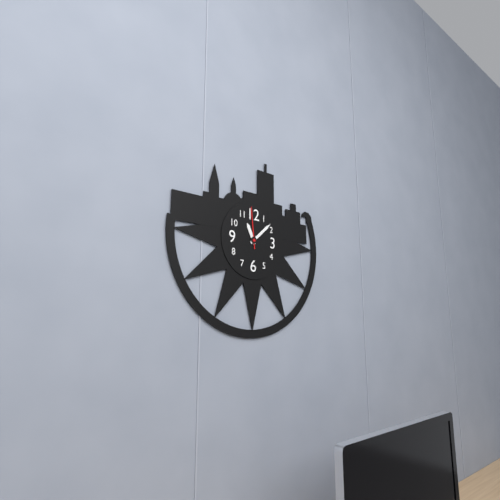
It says 11 h 08 min
